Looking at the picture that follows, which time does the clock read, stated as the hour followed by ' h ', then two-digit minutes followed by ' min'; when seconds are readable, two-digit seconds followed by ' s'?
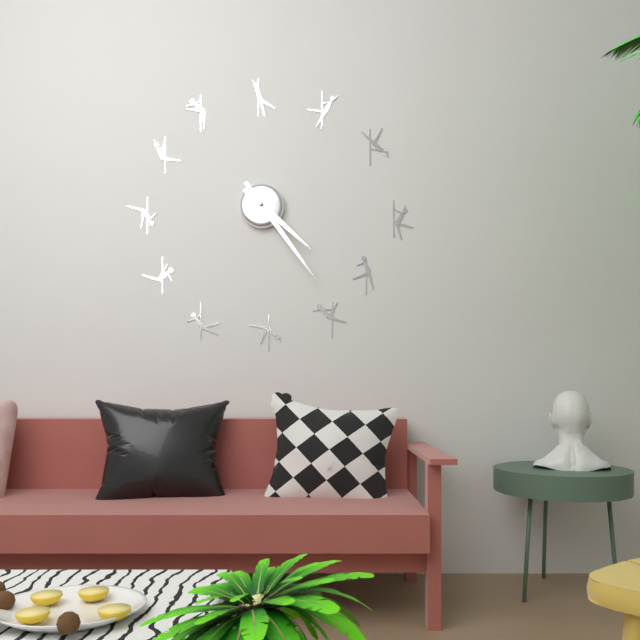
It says 4 h 24 min
